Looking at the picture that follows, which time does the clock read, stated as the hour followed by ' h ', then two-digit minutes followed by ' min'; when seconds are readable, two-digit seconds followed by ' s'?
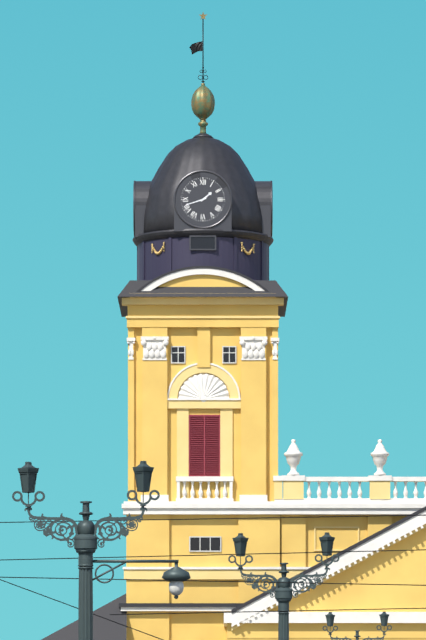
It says 1 h 42 min
